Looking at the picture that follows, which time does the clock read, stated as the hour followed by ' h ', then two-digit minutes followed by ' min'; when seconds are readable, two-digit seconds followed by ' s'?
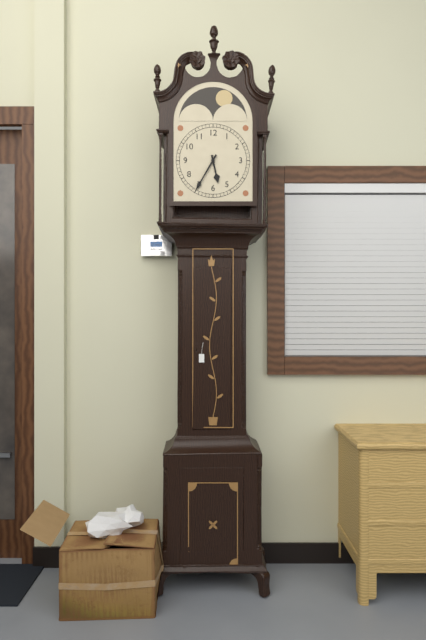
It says 5 h 35 min
